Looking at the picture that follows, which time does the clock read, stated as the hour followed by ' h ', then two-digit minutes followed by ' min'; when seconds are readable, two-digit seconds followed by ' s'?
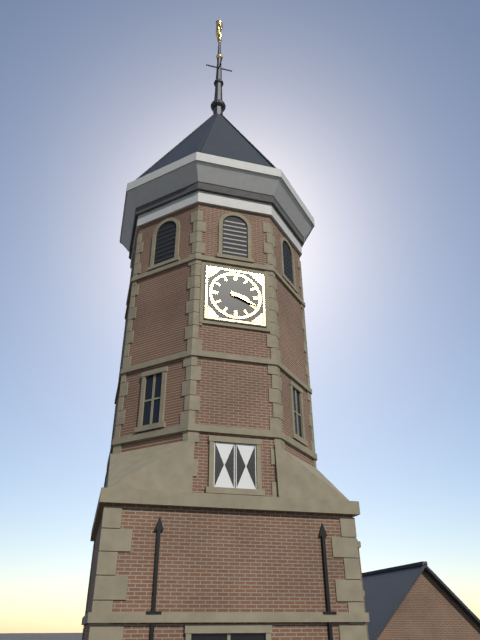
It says 3 h 19 min
